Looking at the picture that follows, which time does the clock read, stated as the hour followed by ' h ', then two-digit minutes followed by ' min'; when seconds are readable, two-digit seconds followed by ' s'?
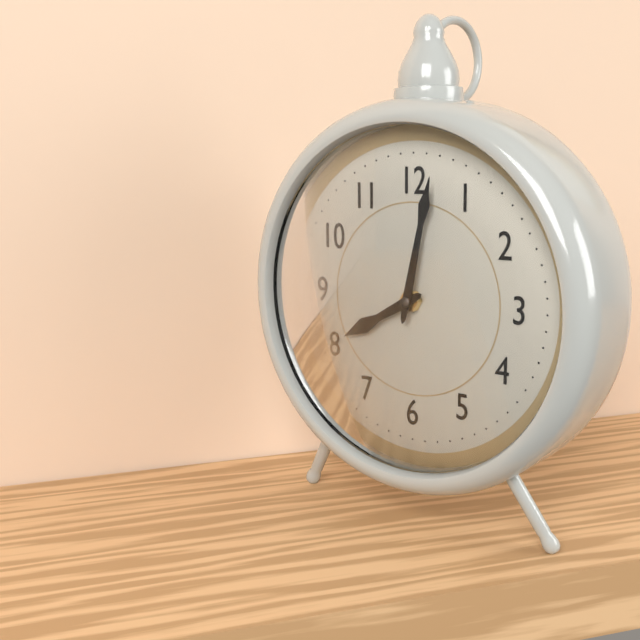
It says 8 h 02 min
